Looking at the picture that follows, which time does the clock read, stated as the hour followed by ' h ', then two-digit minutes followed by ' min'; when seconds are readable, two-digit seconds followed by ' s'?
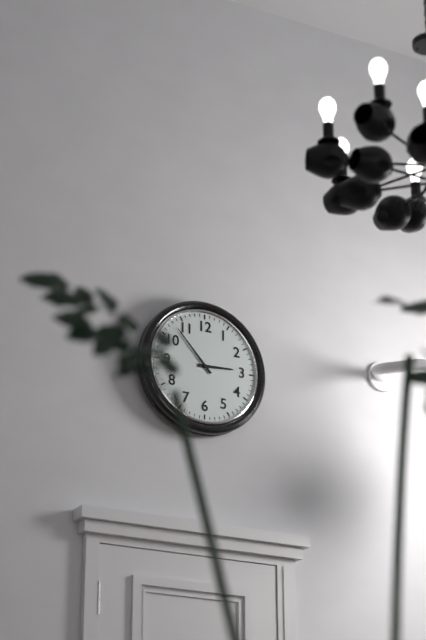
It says 2 h 53 min
